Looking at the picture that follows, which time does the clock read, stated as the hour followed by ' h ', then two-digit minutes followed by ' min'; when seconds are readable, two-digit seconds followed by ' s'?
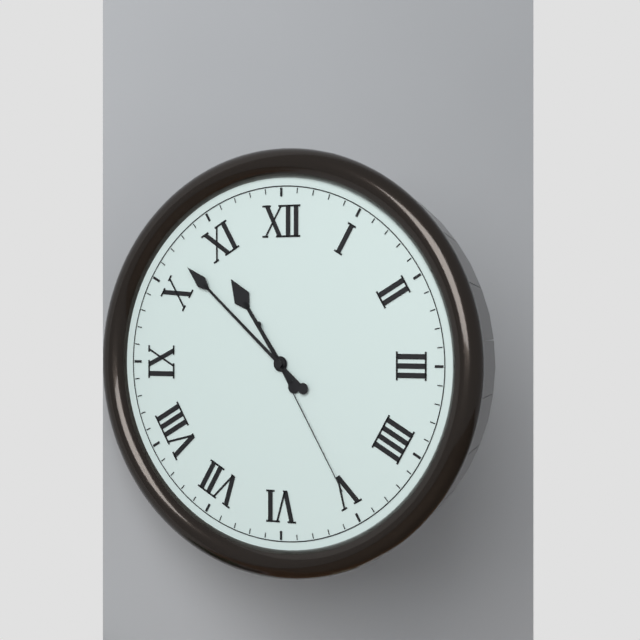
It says 10 h 52 min 25 s
